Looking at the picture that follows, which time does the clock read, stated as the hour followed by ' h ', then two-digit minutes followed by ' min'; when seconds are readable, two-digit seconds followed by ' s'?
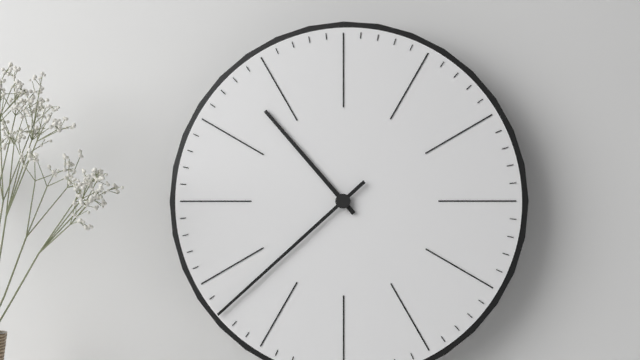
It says 10 h 38 min
